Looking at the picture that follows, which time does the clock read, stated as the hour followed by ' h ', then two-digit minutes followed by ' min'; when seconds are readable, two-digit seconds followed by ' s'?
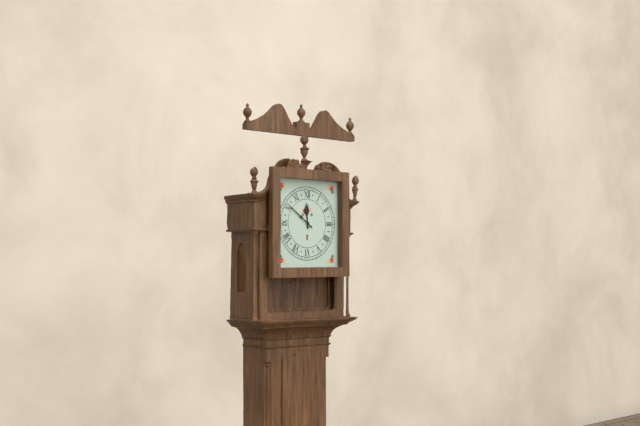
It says 11 h 51 min
